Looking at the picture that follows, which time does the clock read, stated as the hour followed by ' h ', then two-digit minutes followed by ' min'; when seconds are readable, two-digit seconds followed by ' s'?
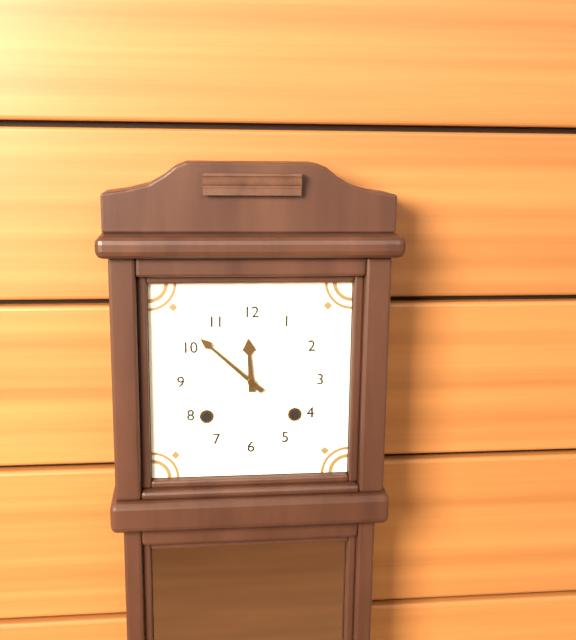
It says 11 h 52 min
